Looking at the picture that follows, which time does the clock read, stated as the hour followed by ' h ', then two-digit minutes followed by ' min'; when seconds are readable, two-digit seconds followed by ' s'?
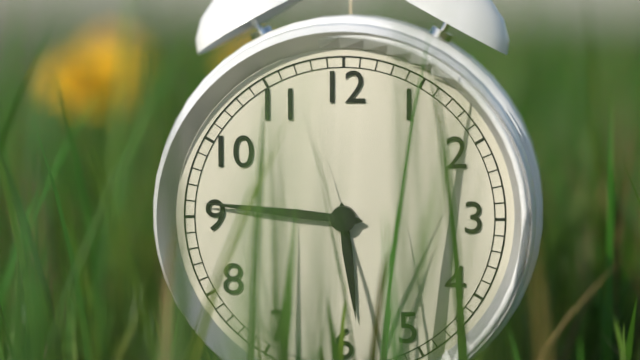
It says 5 h 46 min
